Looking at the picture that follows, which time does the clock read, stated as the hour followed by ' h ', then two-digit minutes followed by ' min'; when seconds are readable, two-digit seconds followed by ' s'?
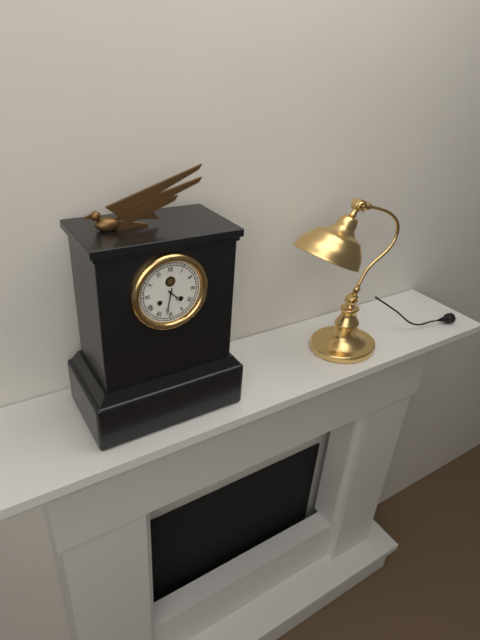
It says 4 h 32 min
